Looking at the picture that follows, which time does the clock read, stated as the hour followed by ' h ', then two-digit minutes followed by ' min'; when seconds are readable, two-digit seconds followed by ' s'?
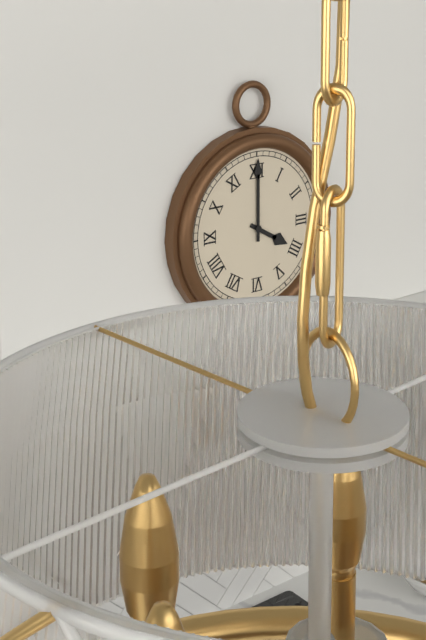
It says 4 h 00 min
